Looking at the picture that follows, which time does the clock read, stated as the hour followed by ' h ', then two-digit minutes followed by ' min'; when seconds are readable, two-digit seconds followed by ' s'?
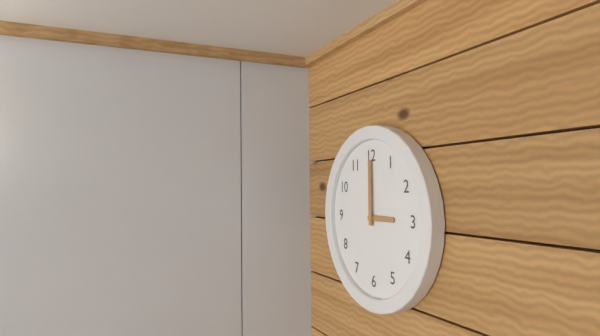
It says 3 h 00 min
